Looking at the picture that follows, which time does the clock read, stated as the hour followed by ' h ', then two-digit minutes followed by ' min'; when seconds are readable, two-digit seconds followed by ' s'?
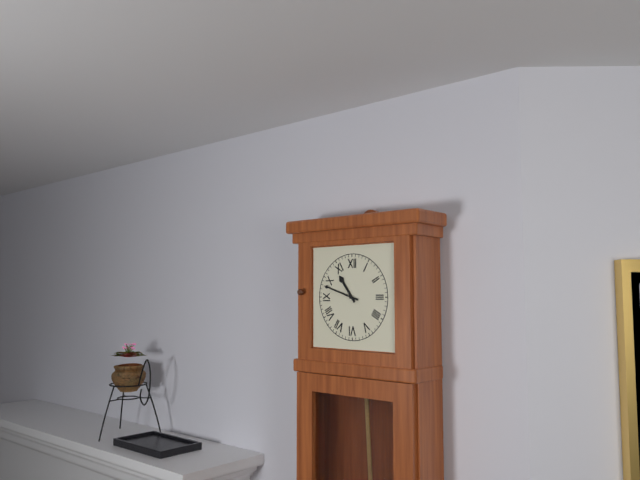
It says 10 h 48 min
